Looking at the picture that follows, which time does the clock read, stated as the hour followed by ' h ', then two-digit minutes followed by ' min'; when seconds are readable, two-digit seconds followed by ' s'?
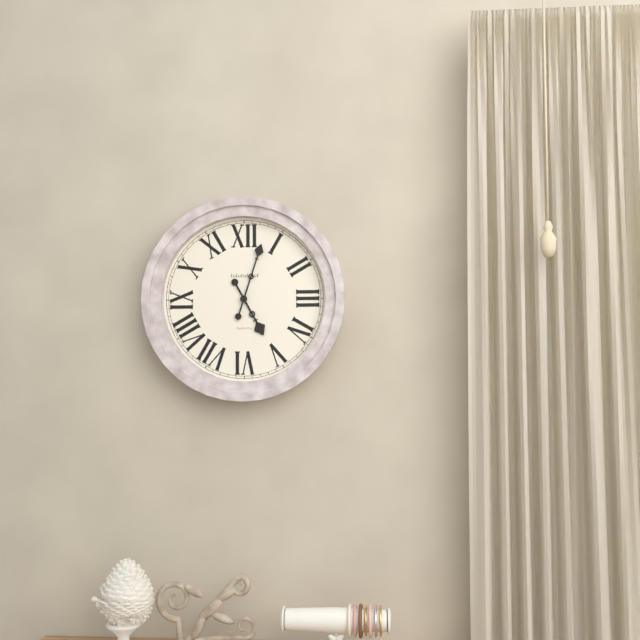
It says 5 h 03 min
